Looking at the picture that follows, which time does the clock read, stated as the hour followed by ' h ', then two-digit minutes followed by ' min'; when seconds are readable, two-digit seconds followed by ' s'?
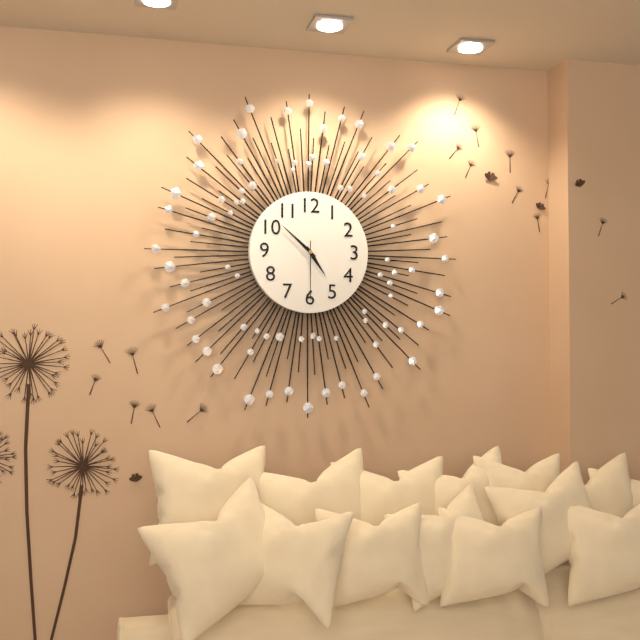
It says 4 h 52 min 30 s
